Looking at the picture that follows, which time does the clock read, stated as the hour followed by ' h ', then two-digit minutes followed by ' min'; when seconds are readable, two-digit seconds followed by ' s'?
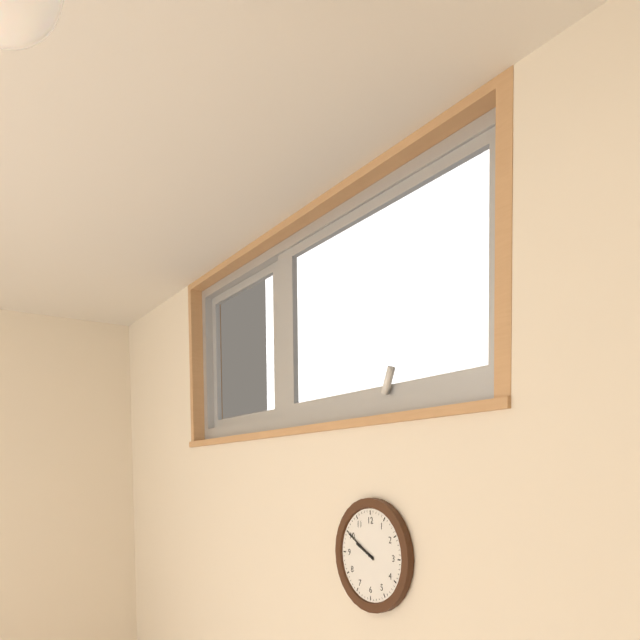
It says 9 h 50 min
